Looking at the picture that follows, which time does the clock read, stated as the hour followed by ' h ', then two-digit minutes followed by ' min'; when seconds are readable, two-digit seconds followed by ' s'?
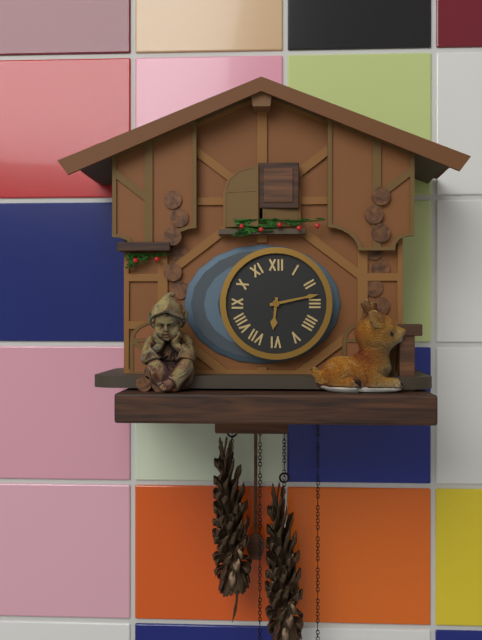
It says 6 h 13 min
